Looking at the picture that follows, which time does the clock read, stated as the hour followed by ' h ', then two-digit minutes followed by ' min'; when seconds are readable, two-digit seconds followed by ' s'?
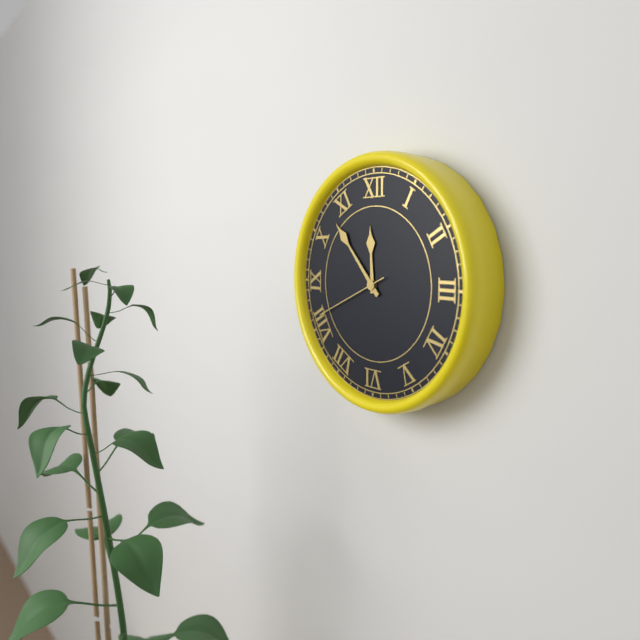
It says 11 h 53 min 41 s
